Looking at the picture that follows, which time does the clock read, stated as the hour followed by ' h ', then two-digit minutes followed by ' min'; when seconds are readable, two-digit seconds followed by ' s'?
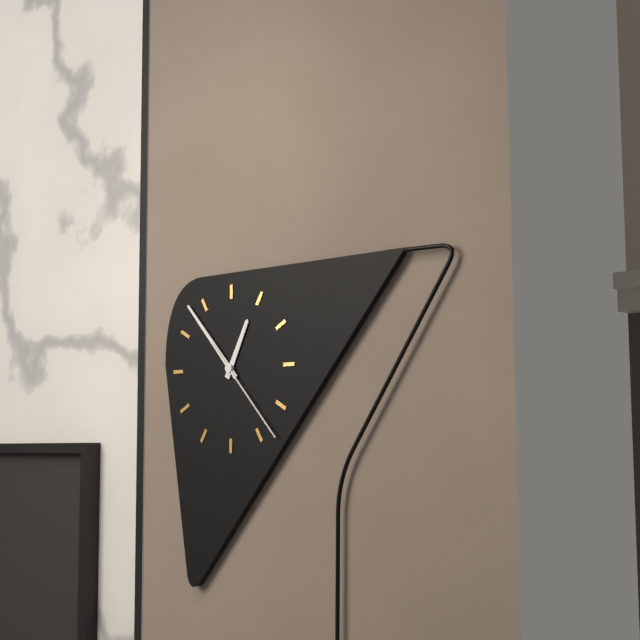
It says 12 h 53 min 23 s
